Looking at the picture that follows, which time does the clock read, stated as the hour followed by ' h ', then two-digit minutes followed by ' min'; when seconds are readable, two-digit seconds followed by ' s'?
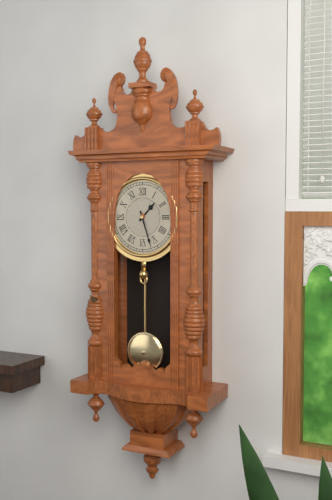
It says 1 h 27 min
